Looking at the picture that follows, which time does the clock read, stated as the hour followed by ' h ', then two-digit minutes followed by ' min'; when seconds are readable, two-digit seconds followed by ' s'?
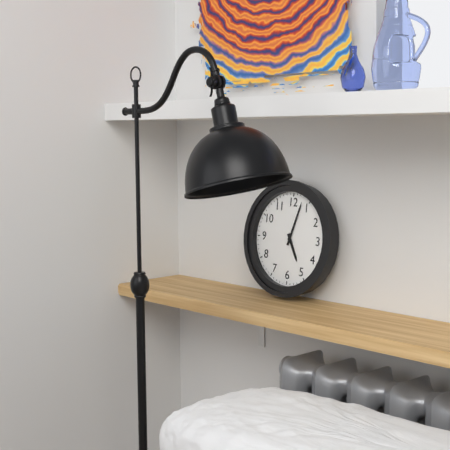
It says 5 h 03 min
